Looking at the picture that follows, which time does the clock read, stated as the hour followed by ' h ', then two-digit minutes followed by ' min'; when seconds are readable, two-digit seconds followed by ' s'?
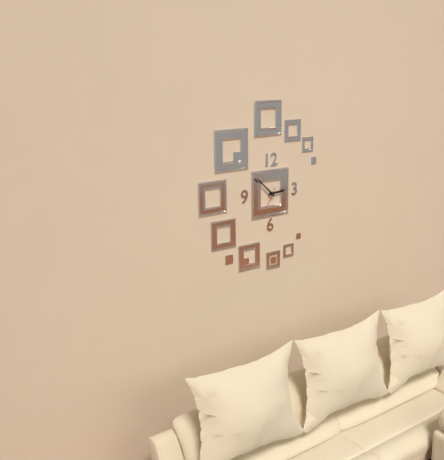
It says 2 h 52 min
